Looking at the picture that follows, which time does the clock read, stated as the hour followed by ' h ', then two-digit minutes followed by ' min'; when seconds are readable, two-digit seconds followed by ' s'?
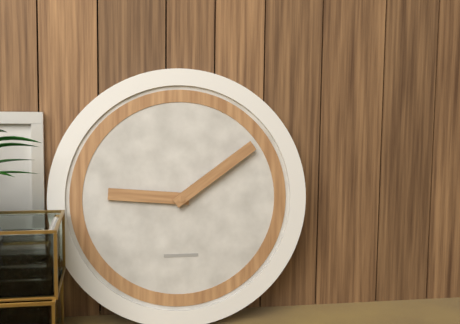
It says 9 h 09 min
